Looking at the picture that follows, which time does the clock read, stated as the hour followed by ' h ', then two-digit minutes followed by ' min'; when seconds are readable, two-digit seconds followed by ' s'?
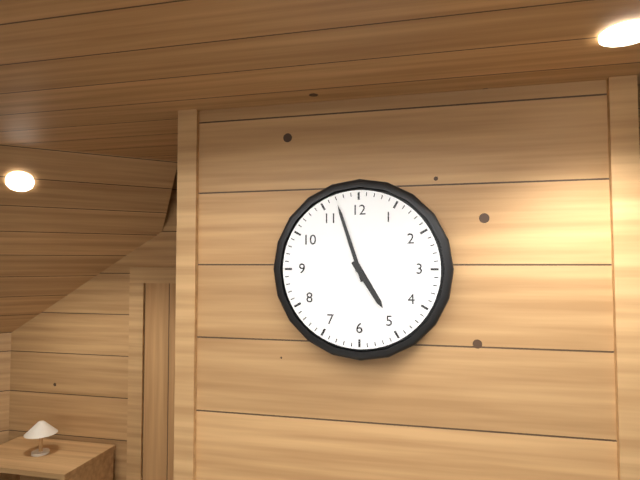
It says 4 h 57 min
